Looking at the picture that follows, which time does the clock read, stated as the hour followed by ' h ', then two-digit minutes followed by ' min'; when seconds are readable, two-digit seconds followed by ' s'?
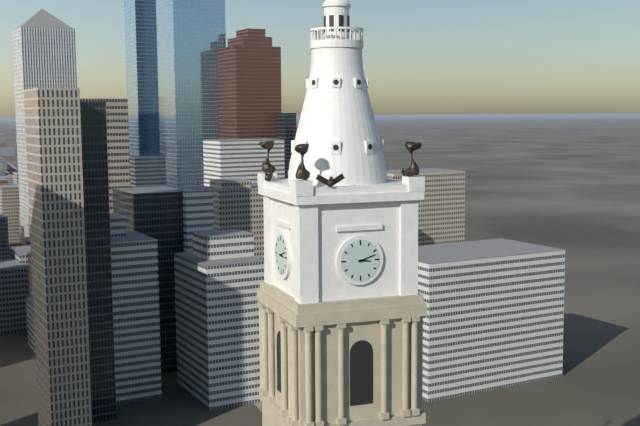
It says 3 h 12 min
